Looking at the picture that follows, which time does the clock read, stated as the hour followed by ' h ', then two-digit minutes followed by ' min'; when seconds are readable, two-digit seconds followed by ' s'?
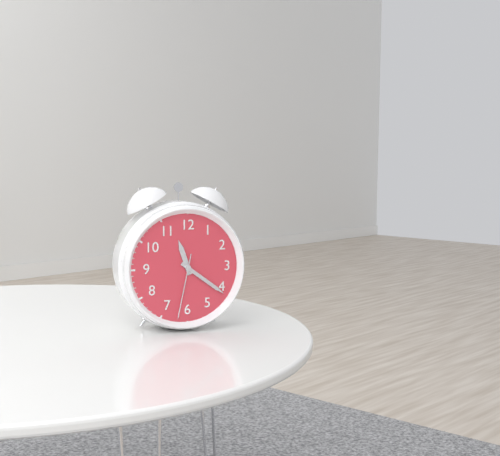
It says 11 h 21 min 32 s
